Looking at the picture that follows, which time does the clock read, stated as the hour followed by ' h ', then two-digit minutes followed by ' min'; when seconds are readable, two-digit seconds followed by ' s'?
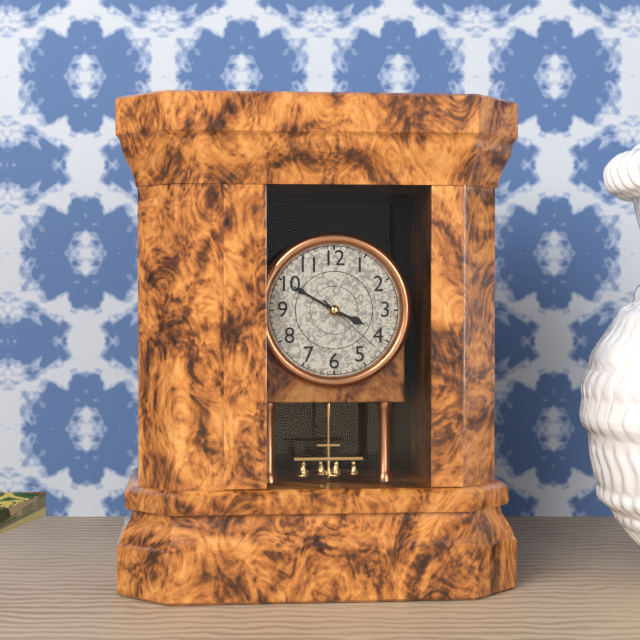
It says 3 h 50 min 22 s
